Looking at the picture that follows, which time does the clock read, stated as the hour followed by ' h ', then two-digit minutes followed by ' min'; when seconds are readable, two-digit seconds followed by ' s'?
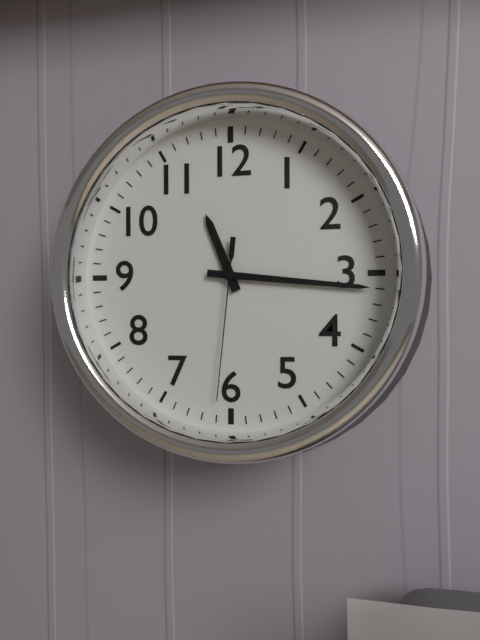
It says 11 h 16 min 31 s
